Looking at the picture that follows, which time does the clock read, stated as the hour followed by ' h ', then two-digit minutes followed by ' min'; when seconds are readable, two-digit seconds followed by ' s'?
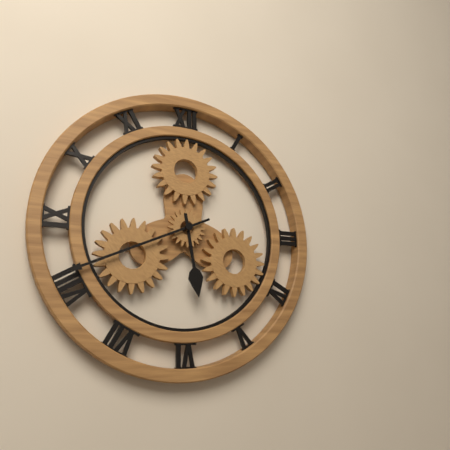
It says 5 h 41 min
